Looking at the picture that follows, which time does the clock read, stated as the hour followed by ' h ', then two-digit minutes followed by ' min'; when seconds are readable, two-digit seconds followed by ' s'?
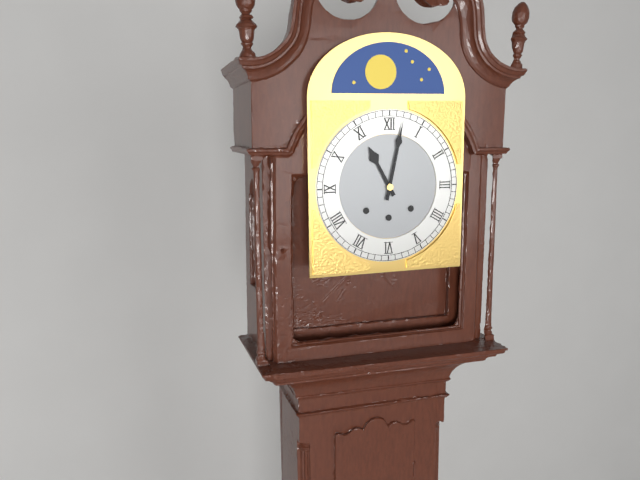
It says 11 h 02 min
